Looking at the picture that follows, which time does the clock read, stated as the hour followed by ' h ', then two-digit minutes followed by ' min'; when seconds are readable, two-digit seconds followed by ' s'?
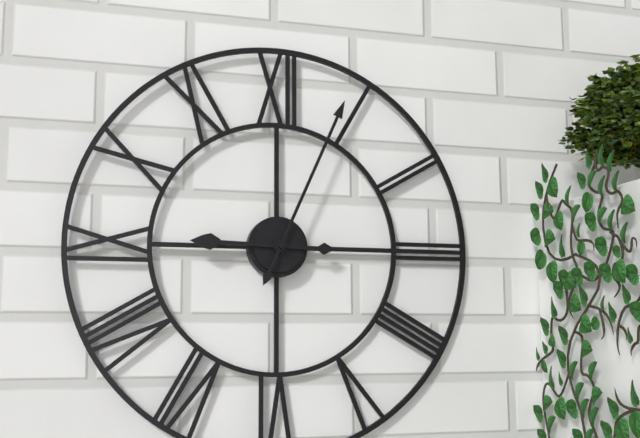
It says 9 h 04 min
